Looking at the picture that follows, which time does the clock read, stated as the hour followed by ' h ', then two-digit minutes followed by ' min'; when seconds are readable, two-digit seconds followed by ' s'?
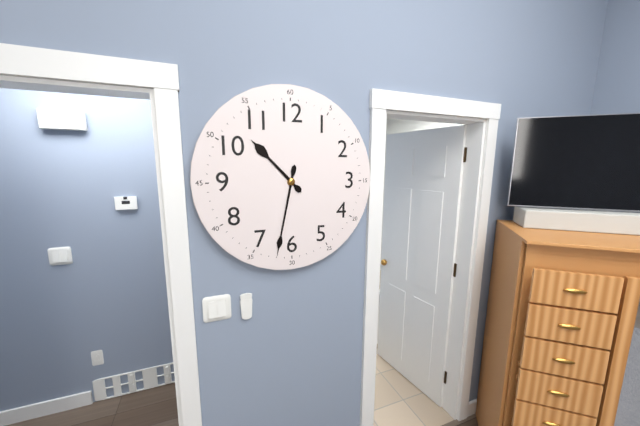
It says 10 h 32 min
